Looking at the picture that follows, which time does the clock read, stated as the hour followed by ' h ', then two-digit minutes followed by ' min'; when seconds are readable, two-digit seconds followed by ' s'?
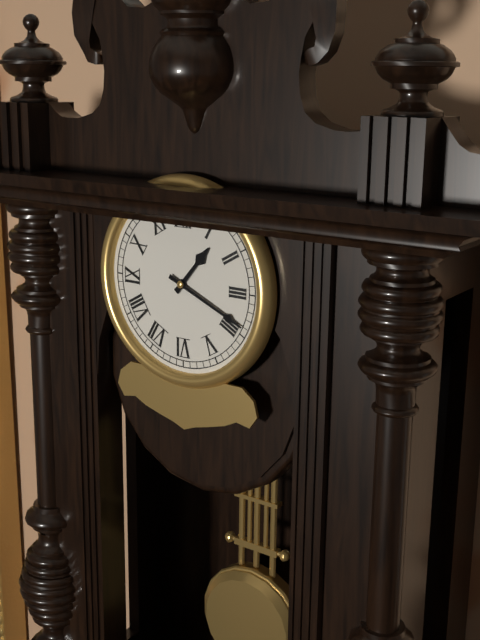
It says 1 h 19 min
